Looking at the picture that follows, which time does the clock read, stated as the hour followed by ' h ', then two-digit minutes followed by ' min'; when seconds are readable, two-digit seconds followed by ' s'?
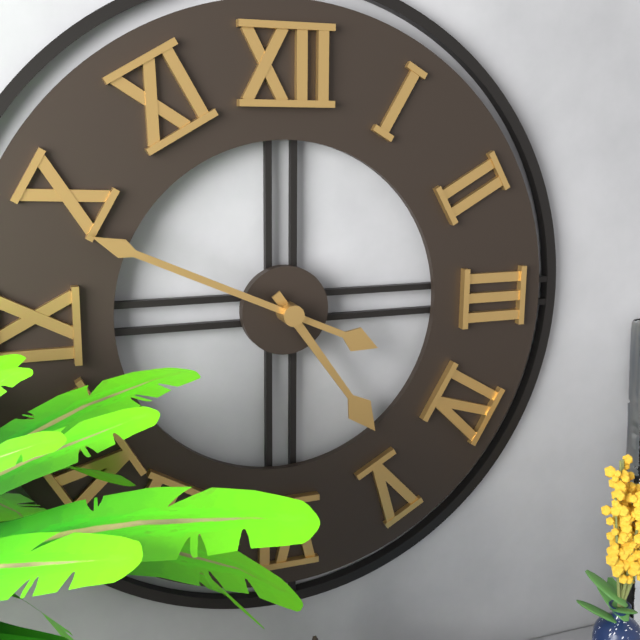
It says 4 h 49 min
